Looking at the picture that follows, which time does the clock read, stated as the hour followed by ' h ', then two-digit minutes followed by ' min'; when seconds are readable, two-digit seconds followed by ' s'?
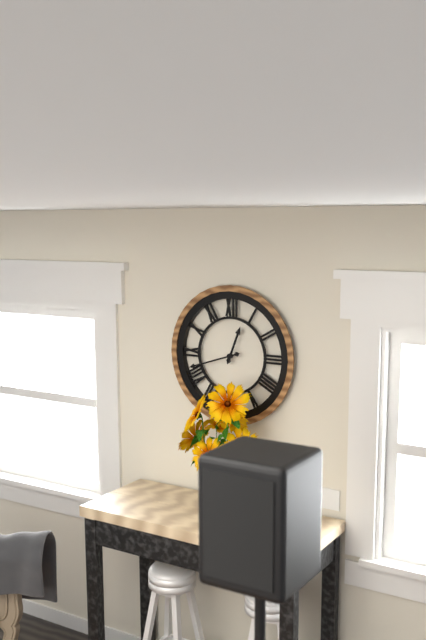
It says 12 h 42 min
